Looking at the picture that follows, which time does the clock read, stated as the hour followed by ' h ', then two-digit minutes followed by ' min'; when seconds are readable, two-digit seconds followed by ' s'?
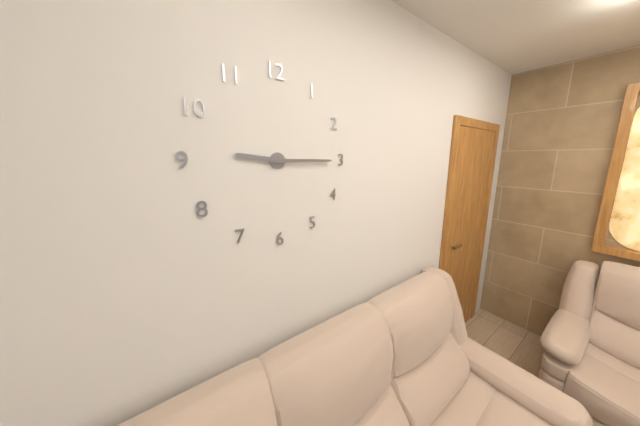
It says 9 h 15 min
